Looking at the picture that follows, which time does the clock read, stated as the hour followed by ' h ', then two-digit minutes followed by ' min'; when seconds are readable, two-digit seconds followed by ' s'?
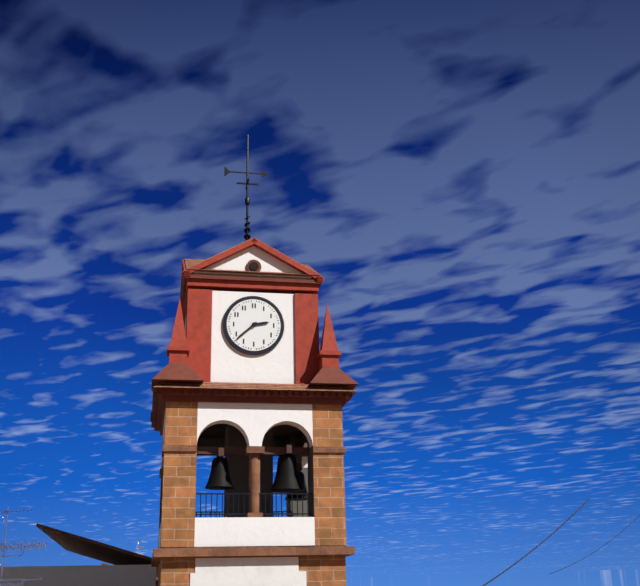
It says 2 h 38 min
